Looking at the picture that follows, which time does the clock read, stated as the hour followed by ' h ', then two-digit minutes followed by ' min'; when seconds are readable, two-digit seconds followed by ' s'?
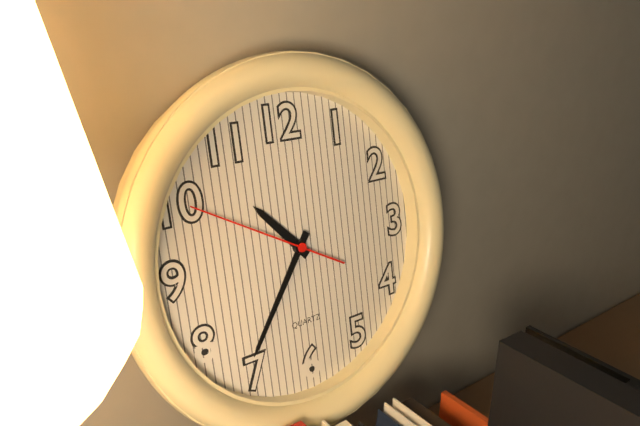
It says 10 h 36 min 50 s
